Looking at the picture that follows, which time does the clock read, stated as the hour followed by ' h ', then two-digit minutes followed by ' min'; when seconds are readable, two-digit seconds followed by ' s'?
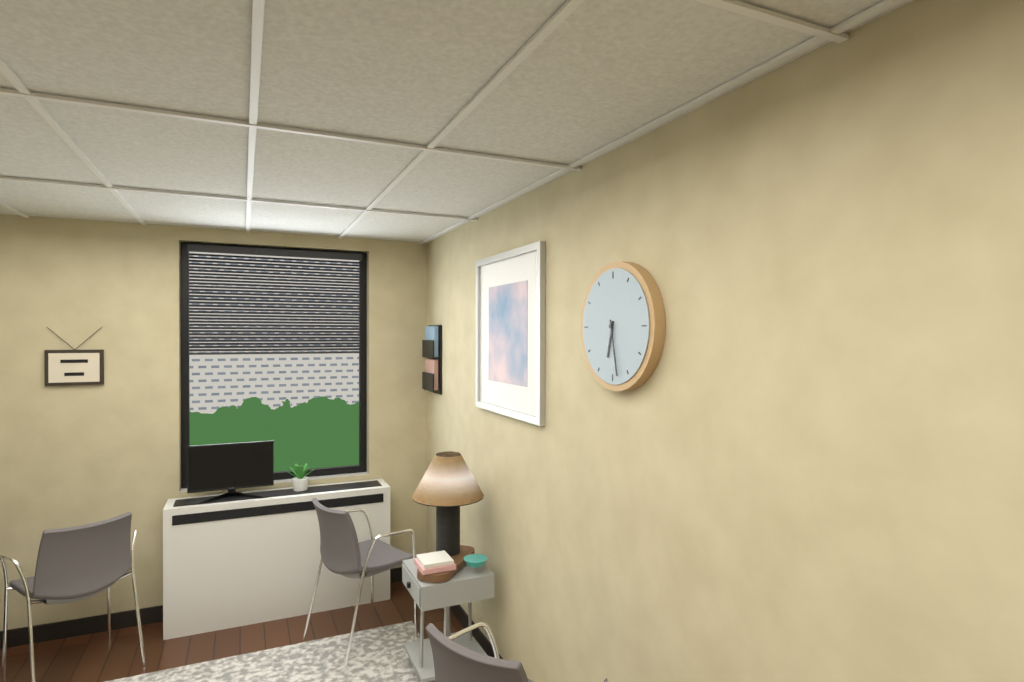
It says 6 h 28 min
